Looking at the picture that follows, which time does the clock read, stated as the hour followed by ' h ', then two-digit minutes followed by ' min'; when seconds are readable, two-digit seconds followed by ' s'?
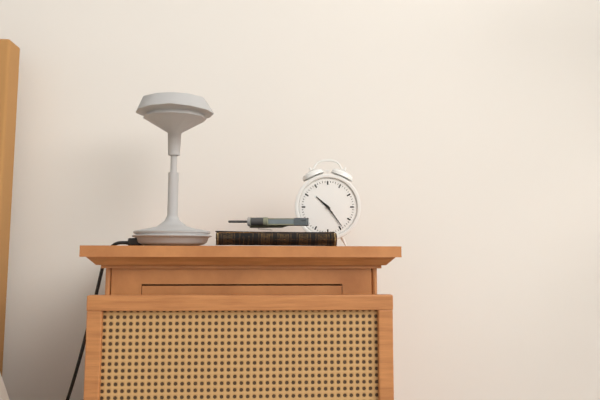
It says 10 h 24 min
